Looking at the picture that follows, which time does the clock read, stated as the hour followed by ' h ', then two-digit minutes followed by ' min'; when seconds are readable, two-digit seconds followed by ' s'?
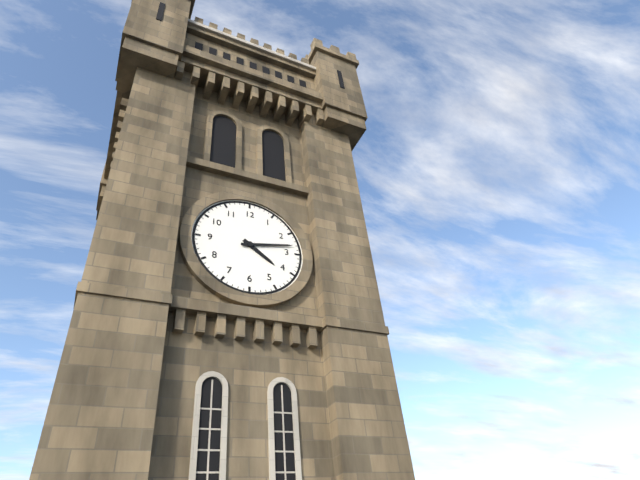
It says 4 h 13 min
